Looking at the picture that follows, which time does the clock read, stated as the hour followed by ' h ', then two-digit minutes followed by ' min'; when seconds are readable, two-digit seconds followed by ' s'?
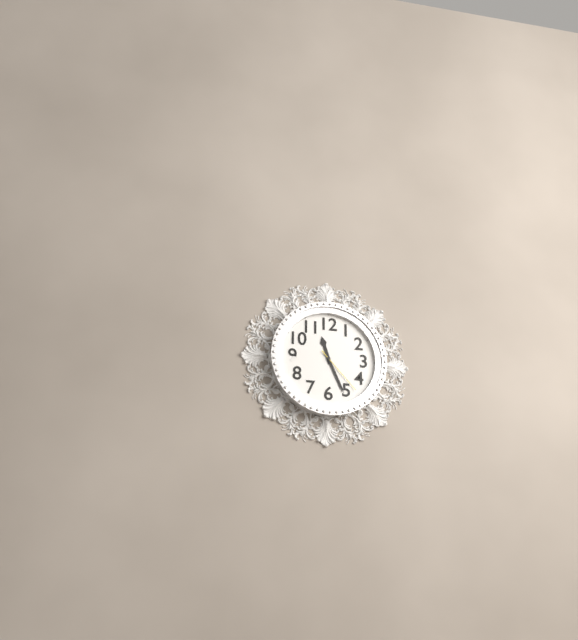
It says 11 h 26 min 23 s
